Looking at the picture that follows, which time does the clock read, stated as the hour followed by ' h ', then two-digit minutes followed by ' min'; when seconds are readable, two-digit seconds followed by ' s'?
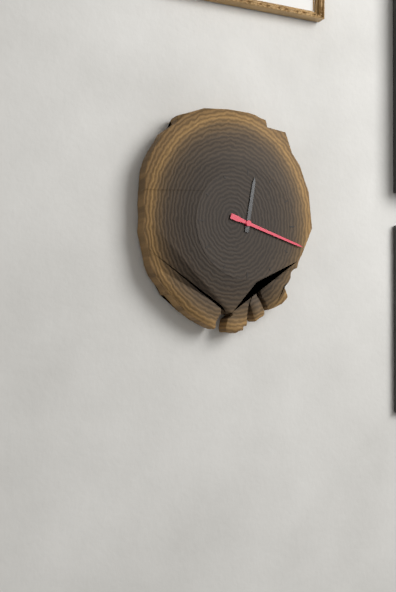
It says 12 h 18 min
